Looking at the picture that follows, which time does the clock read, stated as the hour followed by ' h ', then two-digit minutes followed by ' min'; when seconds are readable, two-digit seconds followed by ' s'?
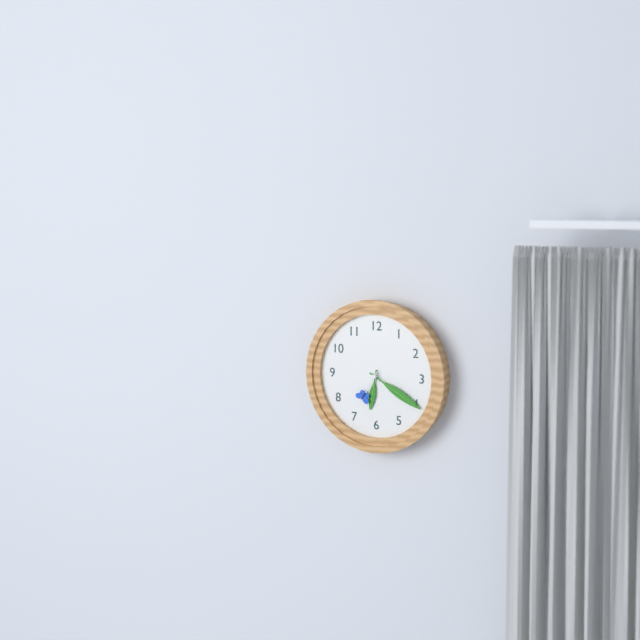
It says 6 h 20 min
